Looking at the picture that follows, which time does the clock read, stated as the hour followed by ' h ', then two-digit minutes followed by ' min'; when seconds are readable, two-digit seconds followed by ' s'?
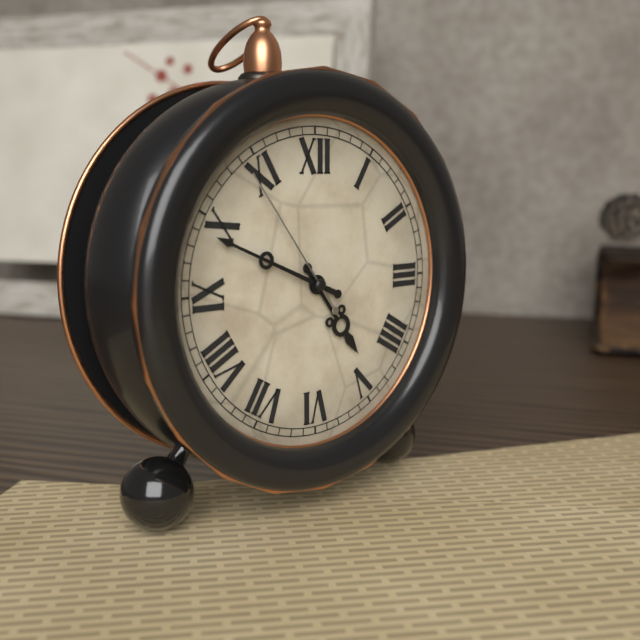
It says 4 h 49 min 54 s
